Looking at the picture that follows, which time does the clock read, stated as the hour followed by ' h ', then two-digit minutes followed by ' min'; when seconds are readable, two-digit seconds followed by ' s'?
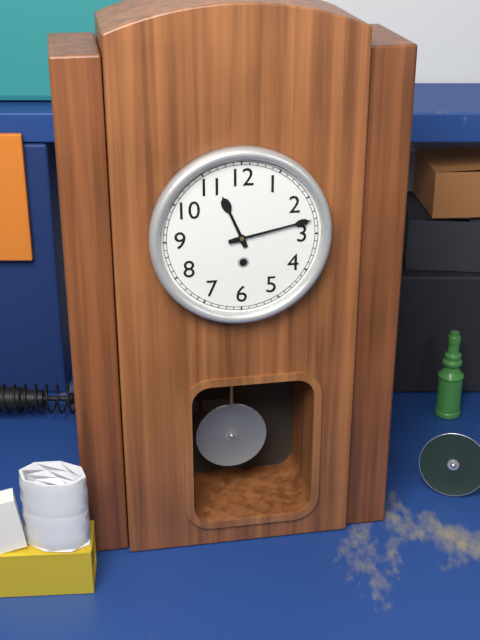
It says 11 h 13 min
